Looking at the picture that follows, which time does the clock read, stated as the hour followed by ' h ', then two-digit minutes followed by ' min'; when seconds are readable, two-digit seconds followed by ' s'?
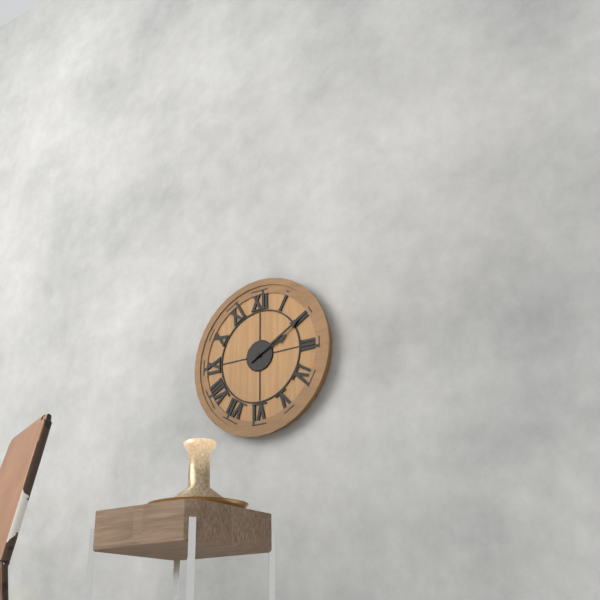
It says 2 h 10 min
